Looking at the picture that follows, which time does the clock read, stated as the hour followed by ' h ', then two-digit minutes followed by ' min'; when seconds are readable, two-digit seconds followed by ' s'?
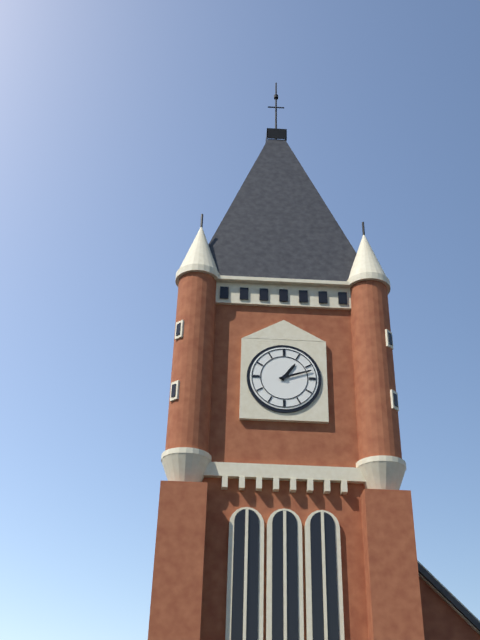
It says 1 h 12 min
